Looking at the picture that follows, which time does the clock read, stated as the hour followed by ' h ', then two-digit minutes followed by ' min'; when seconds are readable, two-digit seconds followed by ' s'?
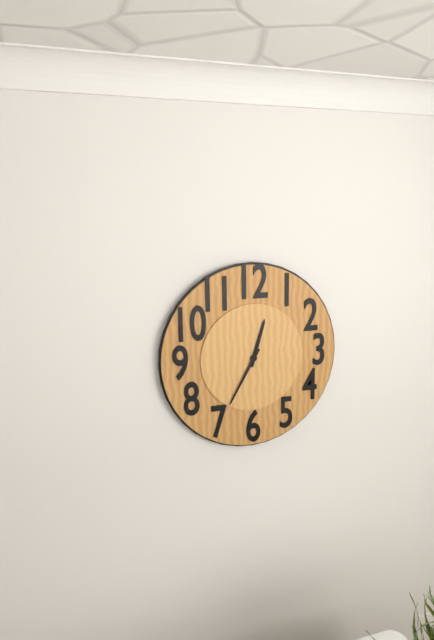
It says 12 h 35 min
